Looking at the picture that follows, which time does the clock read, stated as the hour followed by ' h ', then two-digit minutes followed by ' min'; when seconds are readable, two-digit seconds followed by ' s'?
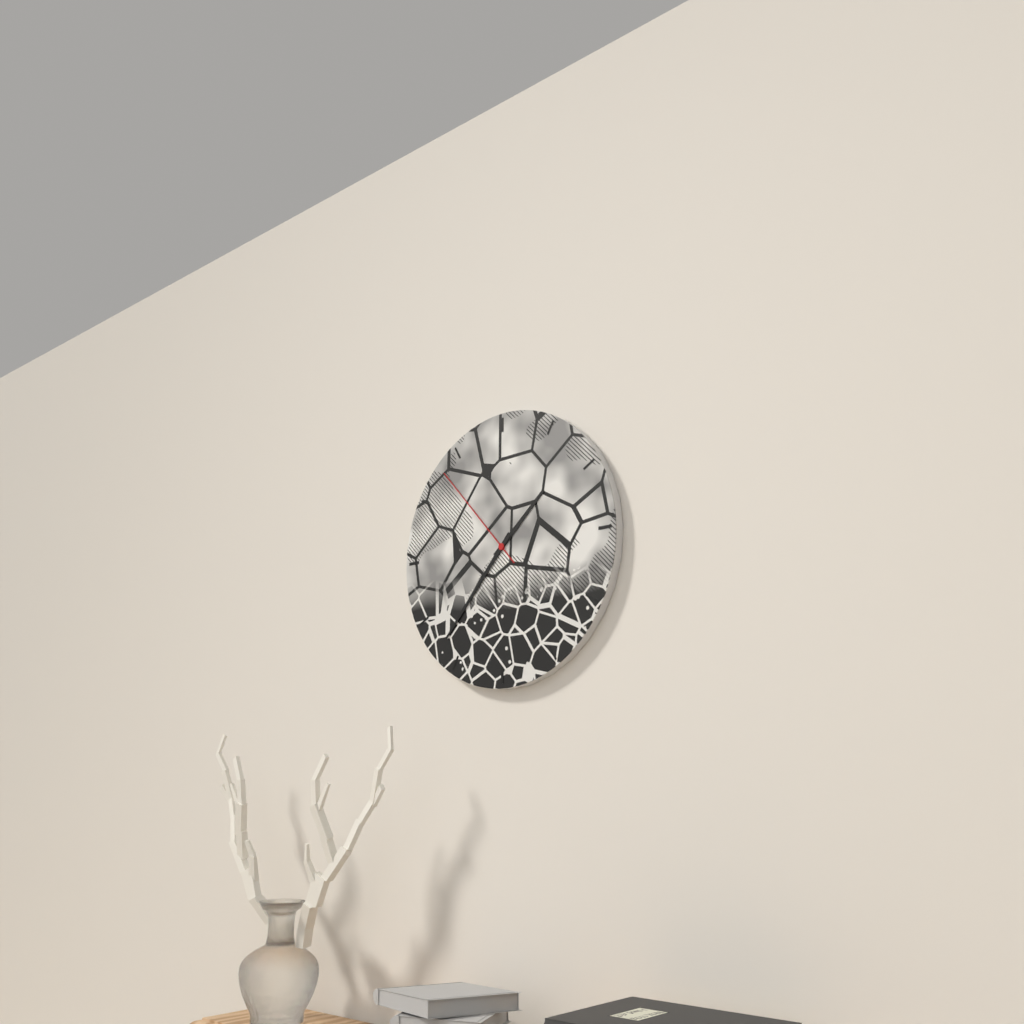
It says 1 h 37 min 53 s
